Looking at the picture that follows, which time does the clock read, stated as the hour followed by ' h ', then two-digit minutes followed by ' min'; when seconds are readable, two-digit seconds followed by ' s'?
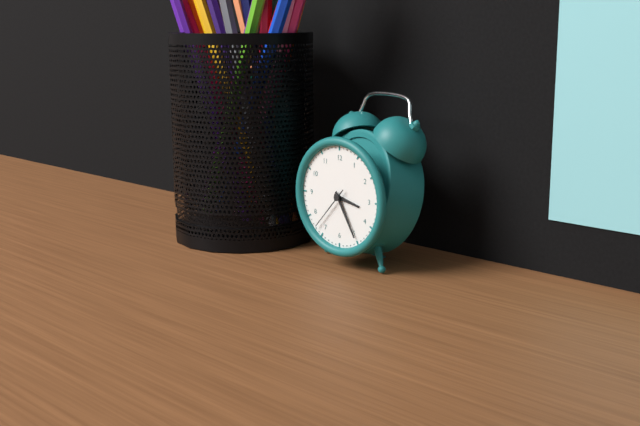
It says 3 h 25 min
